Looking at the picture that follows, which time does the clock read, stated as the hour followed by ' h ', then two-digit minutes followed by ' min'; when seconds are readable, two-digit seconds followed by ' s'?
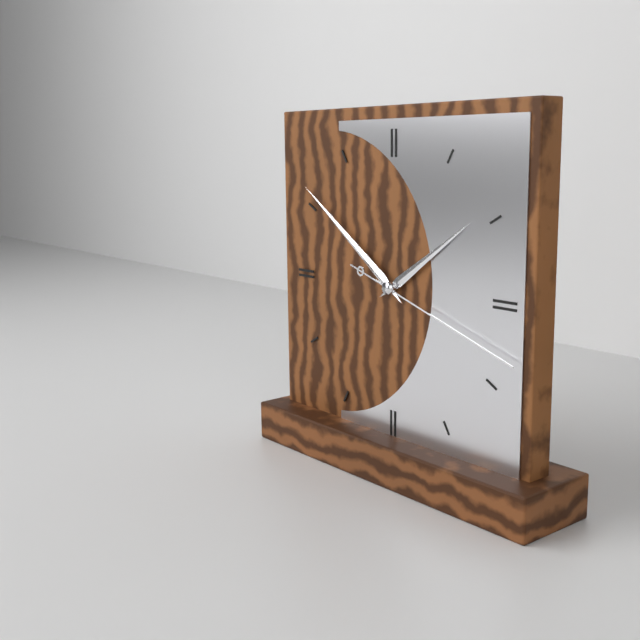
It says 1 h 51 min 18 s
